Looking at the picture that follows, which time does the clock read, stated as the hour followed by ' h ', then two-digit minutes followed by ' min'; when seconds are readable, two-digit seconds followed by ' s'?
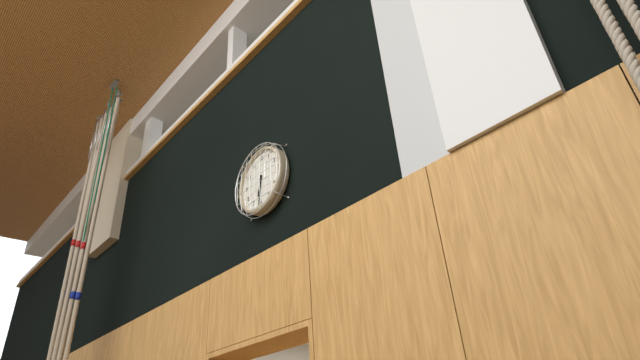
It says 6 h 31 min
